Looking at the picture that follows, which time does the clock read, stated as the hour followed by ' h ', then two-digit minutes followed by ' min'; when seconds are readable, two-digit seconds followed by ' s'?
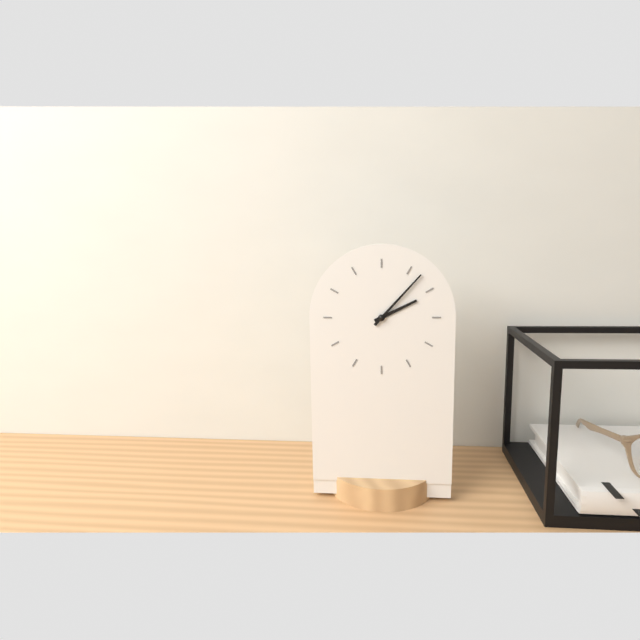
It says 2 h 07 min
